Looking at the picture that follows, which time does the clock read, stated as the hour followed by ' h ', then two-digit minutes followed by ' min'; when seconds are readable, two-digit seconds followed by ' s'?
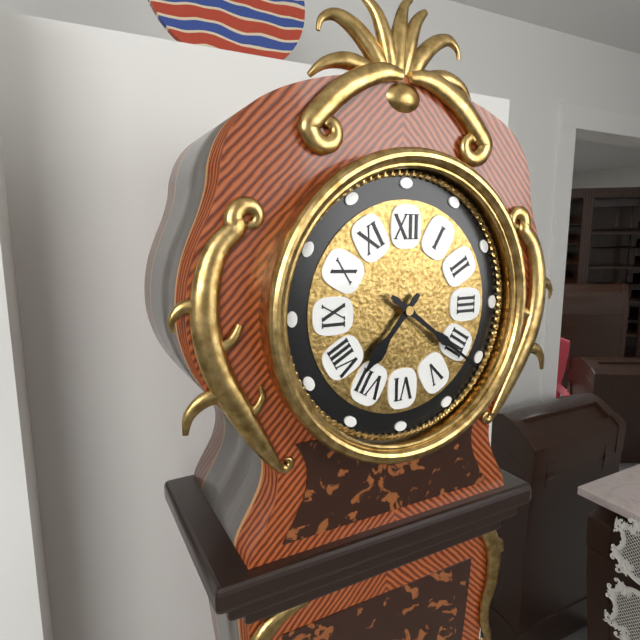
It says 7 h 21 min
